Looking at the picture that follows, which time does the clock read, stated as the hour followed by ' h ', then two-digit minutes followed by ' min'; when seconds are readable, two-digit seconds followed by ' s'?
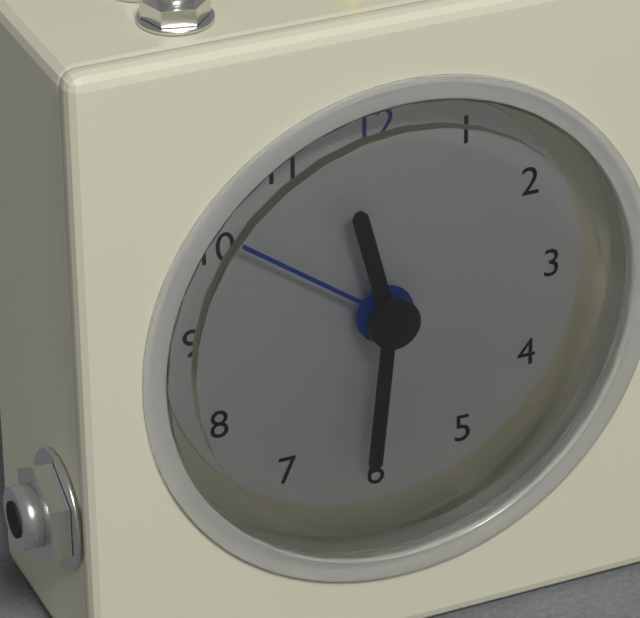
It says 11 h 31 min 51 s
